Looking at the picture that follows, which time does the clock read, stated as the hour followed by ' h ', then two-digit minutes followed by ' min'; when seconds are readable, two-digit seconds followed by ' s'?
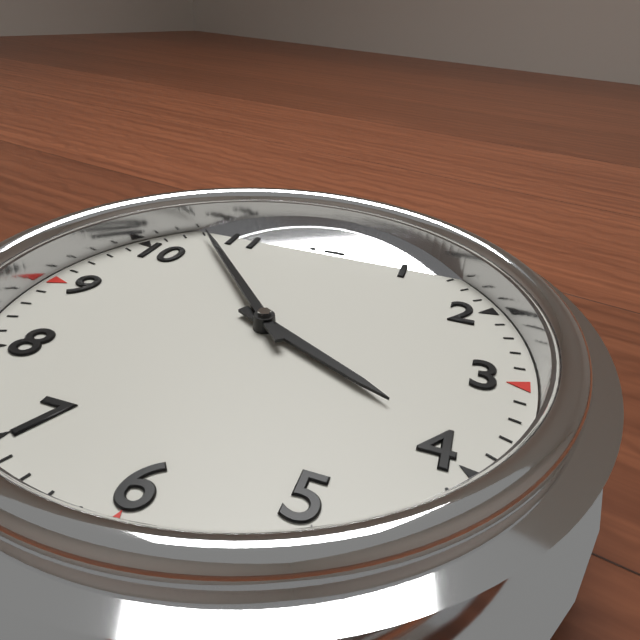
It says 3 h 53 min
